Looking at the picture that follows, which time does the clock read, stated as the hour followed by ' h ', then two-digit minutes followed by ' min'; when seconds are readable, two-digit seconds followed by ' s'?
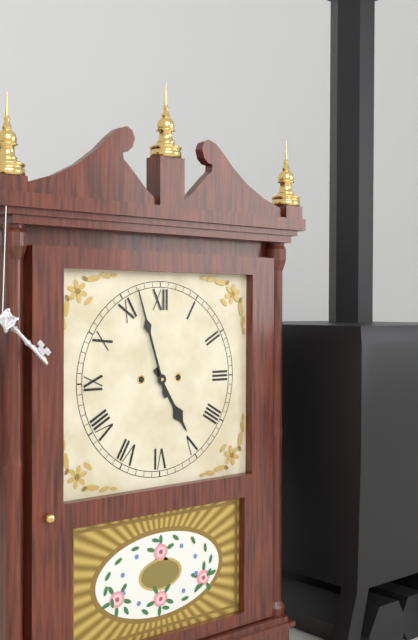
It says 4 h 57 min
